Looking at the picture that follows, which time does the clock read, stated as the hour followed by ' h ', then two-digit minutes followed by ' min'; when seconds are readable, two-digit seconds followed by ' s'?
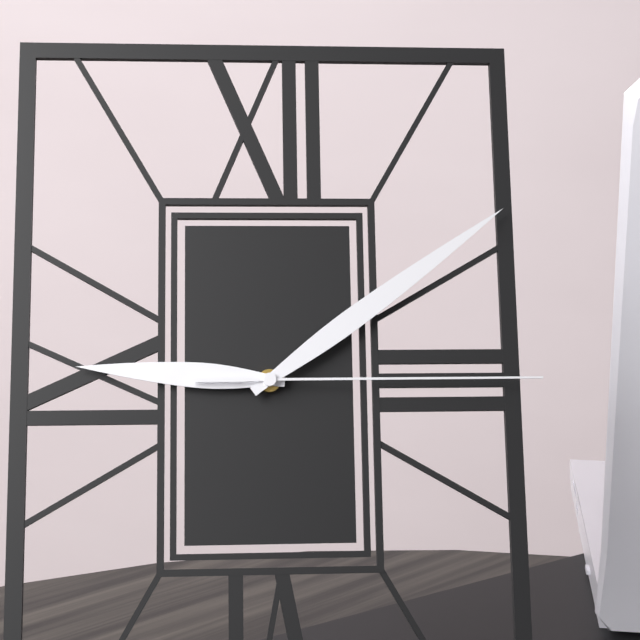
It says 9 h 09 min 15 s
